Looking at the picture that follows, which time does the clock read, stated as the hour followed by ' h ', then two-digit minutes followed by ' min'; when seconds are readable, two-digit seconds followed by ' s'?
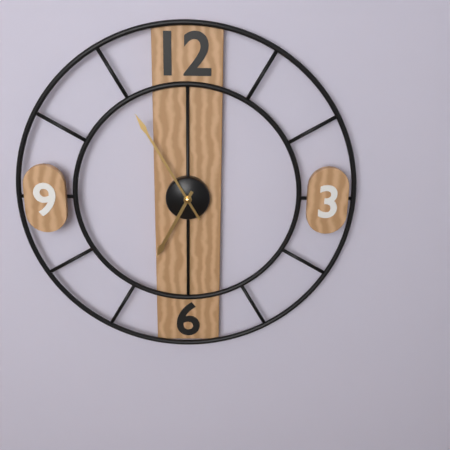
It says 6 h 55 min
